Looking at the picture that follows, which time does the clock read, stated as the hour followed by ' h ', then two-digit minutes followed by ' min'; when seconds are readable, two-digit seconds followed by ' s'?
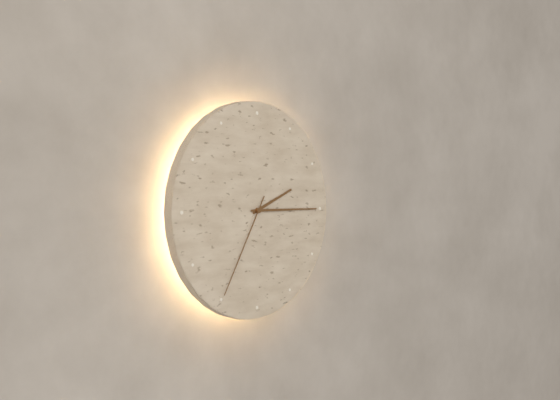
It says 2 h 15 min 35 s
